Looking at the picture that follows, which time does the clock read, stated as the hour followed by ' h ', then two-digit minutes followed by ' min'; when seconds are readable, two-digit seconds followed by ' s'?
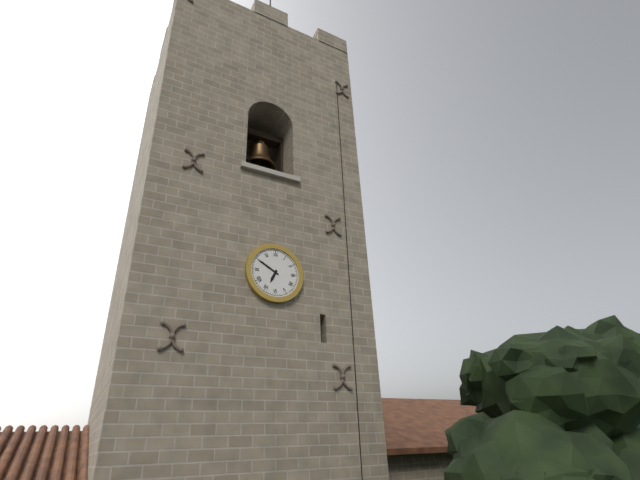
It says 6 h 50 min
